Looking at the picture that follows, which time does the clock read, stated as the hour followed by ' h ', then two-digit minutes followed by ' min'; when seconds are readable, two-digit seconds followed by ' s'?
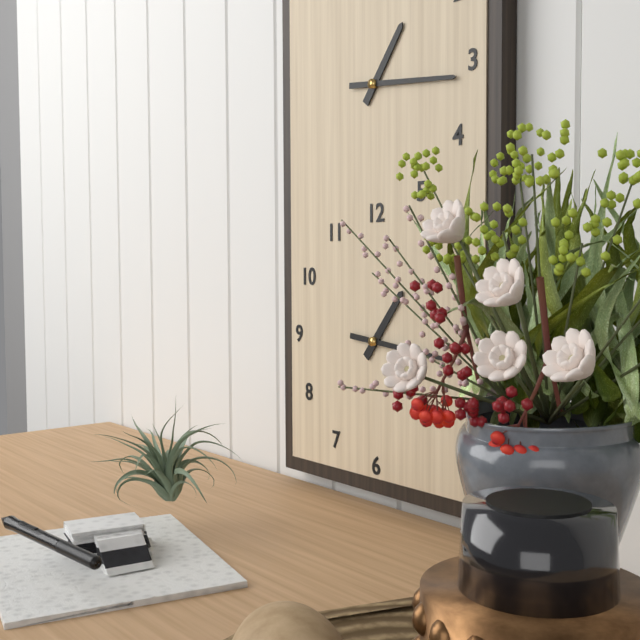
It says 1 h 16 min
